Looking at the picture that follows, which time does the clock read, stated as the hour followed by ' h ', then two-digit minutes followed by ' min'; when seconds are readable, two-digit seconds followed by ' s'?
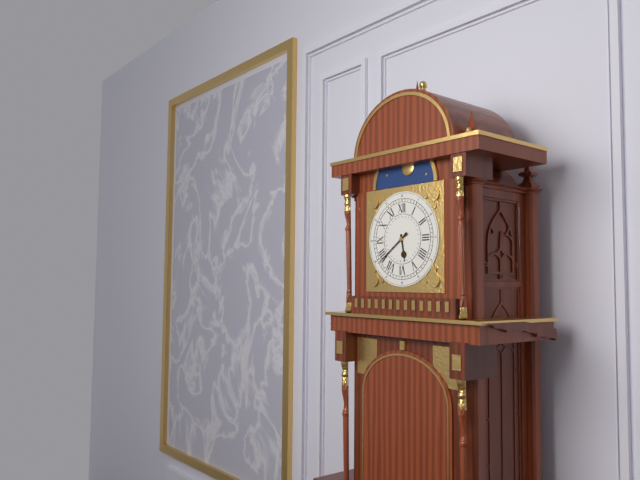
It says 5 h 39 min
